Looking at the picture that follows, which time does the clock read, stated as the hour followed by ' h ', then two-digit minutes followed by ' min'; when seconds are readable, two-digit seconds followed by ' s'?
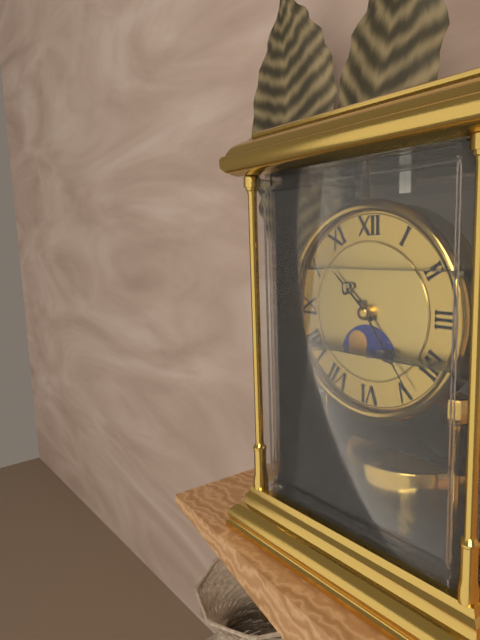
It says 10 h 24 min
